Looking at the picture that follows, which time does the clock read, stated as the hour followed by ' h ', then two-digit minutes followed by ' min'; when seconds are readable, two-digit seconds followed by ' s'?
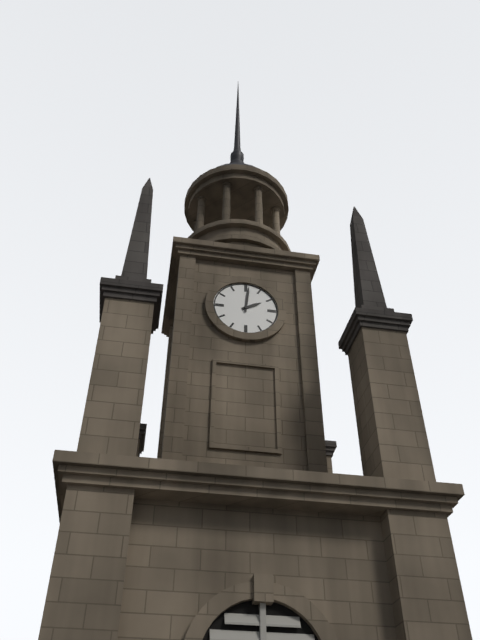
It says 2 h 01 min
